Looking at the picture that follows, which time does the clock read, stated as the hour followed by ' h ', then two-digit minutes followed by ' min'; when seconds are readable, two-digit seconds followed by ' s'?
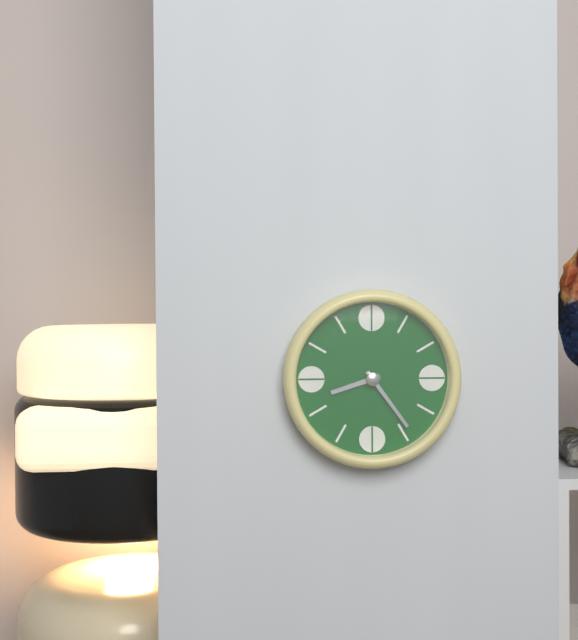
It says 8 h 24 min
